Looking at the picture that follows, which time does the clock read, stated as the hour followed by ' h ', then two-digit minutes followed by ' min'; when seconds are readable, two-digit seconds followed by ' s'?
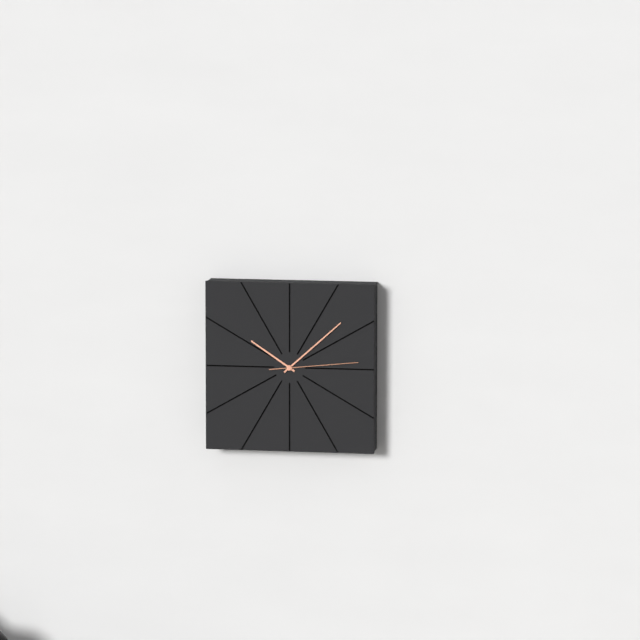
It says 10 h 08 min 14 s
